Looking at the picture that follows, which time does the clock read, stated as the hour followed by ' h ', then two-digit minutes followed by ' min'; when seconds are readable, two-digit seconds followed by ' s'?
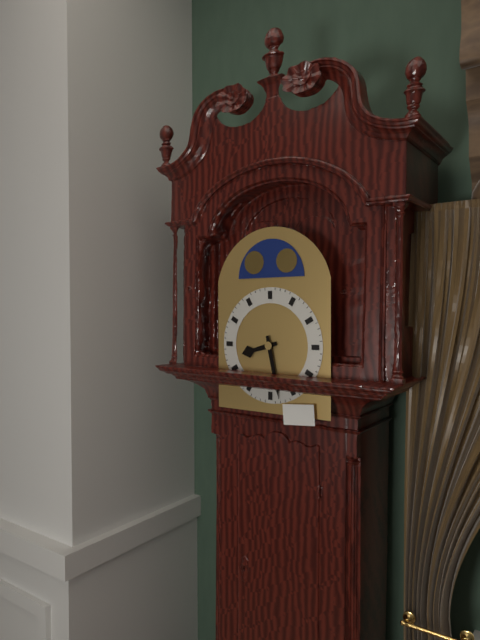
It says 8 h 28 min
